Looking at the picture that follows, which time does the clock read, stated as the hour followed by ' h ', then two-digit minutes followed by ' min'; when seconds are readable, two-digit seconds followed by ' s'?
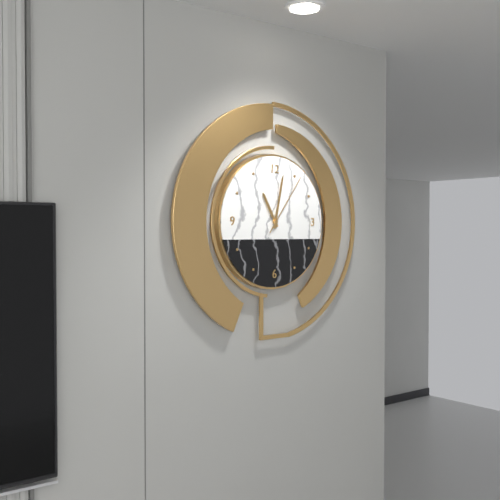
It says 11 h 02 min 06 s
